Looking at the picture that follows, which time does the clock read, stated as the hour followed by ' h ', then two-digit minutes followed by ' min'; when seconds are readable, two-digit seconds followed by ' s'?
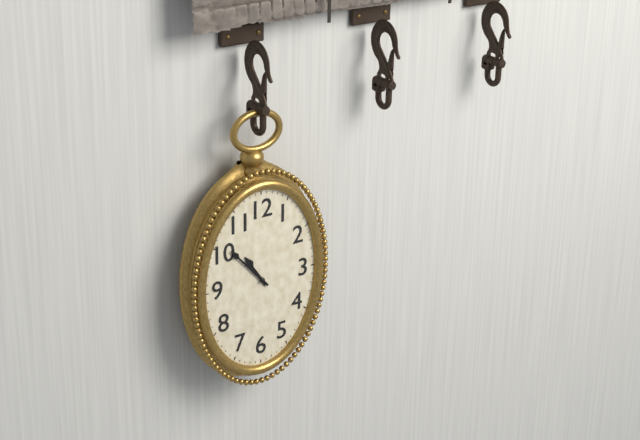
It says 10 h 53 min
